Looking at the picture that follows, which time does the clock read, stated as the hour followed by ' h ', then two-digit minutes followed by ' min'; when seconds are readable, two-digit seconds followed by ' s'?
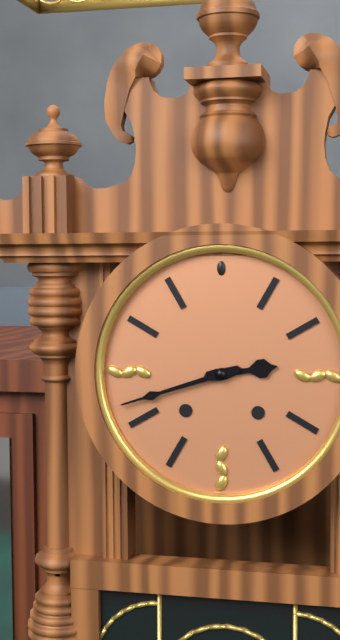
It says 2 h 42 min
